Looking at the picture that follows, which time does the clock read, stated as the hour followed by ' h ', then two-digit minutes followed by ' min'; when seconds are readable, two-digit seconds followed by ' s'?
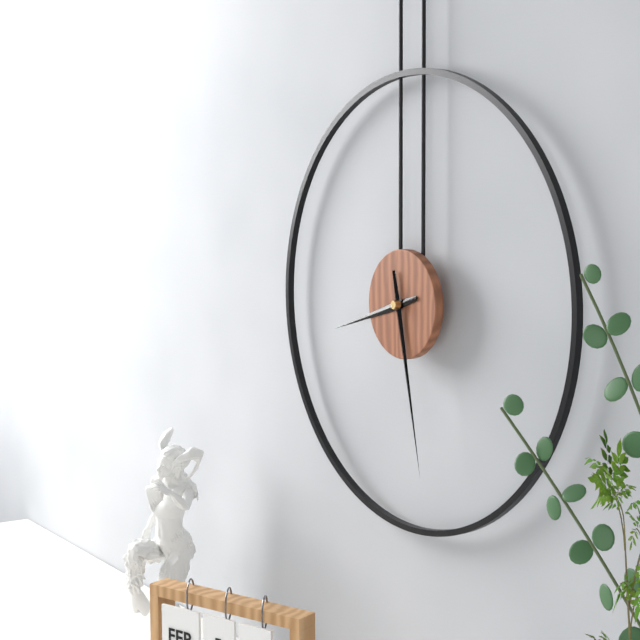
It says 8 h 28 min
